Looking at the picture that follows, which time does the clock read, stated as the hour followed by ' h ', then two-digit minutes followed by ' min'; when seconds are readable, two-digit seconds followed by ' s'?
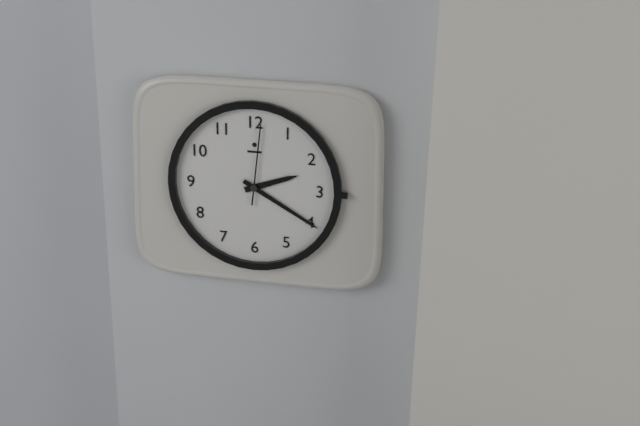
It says 2 h 20 min 01 s
